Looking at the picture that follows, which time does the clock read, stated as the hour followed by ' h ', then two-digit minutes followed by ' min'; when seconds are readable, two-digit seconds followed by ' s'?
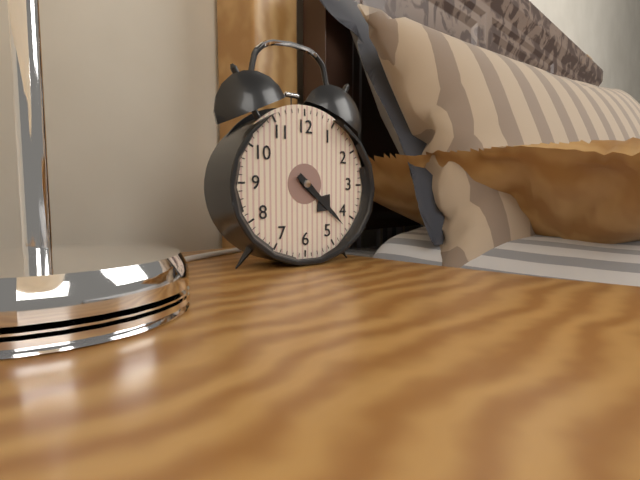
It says 4 h 22 min
